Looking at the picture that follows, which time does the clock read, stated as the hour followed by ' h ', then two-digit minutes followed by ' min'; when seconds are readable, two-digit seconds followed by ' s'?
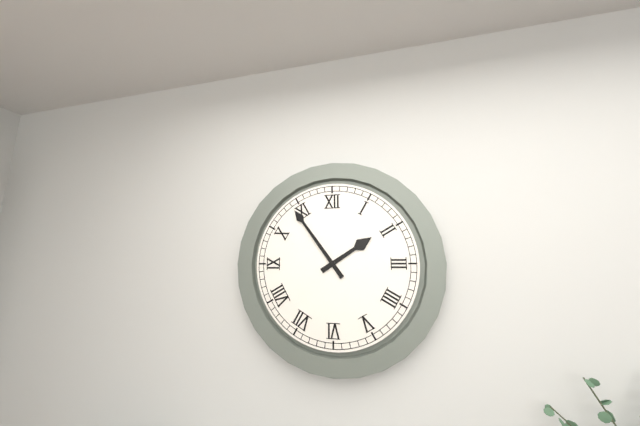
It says 1 h 54 min
